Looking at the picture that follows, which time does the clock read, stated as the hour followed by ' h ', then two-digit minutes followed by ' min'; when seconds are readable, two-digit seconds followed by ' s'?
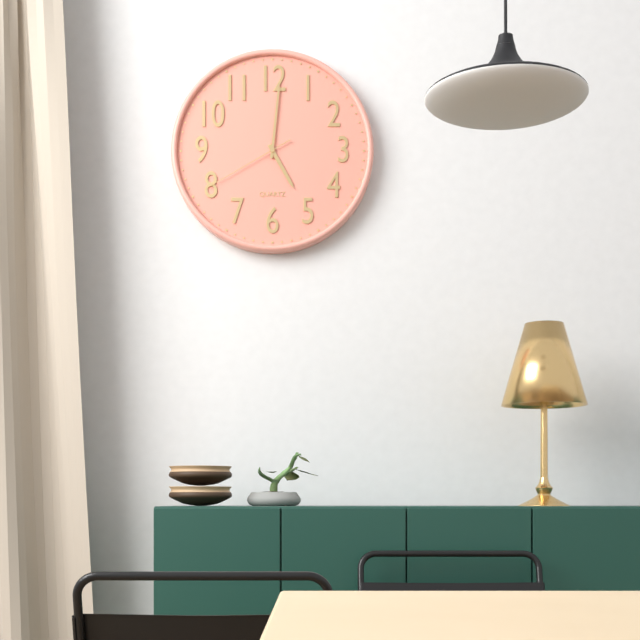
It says 5 h 01 min 40 s
